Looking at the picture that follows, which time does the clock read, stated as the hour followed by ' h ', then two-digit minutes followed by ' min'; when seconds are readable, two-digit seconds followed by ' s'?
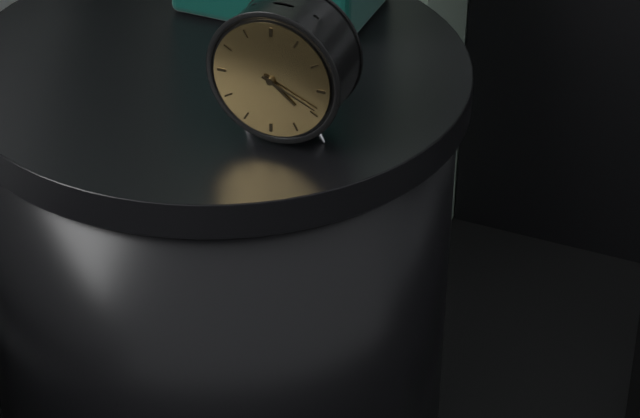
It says 4 h 19 min
